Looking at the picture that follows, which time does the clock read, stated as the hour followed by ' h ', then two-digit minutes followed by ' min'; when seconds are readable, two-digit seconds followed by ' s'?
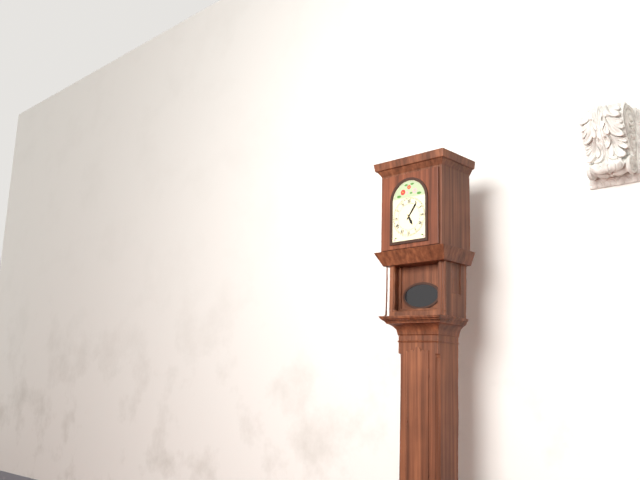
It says 5 h 06 min
